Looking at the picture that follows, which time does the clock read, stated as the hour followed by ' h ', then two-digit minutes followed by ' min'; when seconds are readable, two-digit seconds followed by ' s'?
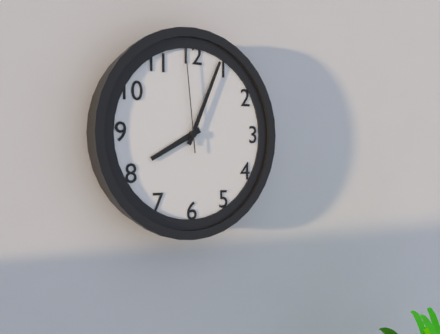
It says 8 h 04 min 59 s
